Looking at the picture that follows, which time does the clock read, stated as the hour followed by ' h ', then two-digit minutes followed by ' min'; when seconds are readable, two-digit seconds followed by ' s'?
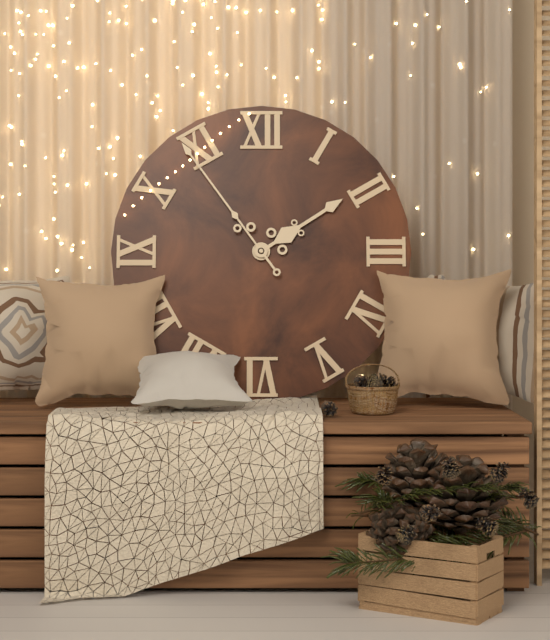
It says 1 h 54 min
